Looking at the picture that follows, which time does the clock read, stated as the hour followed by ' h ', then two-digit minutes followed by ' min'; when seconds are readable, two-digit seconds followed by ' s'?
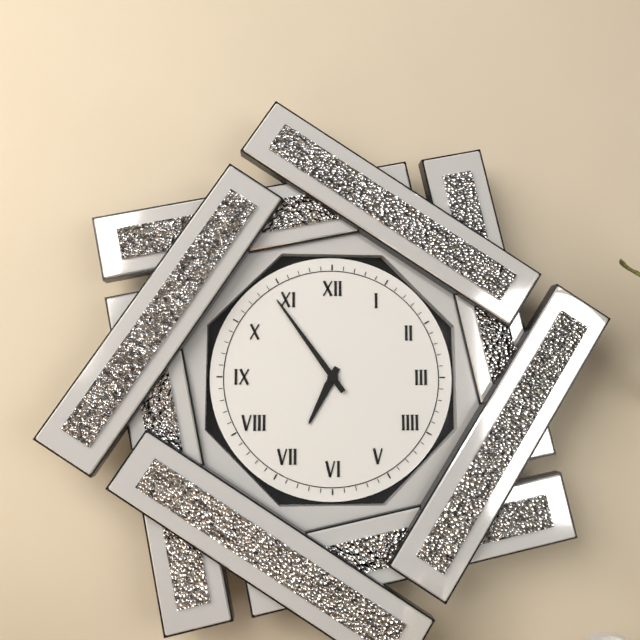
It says 6 h 54 min
